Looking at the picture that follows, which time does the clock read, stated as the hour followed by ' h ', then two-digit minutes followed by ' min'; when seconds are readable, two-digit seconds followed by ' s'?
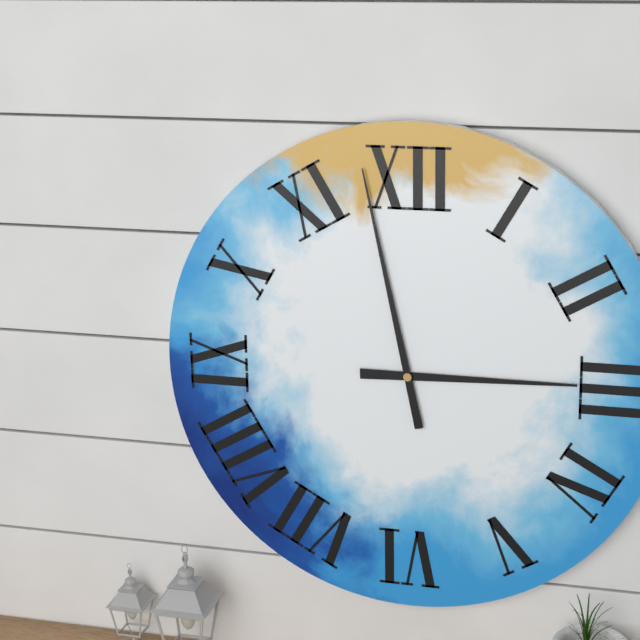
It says 2 h 58 min
